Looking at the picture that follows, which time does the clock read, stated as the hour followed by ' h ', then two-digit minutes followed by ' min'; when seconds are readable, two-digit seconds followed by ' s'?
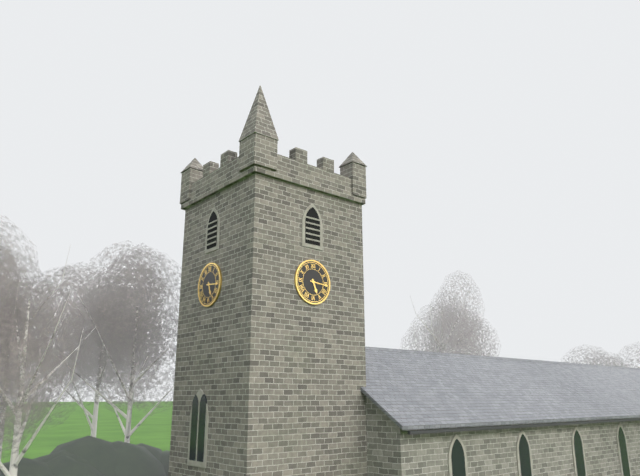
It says 5 h 16 min
